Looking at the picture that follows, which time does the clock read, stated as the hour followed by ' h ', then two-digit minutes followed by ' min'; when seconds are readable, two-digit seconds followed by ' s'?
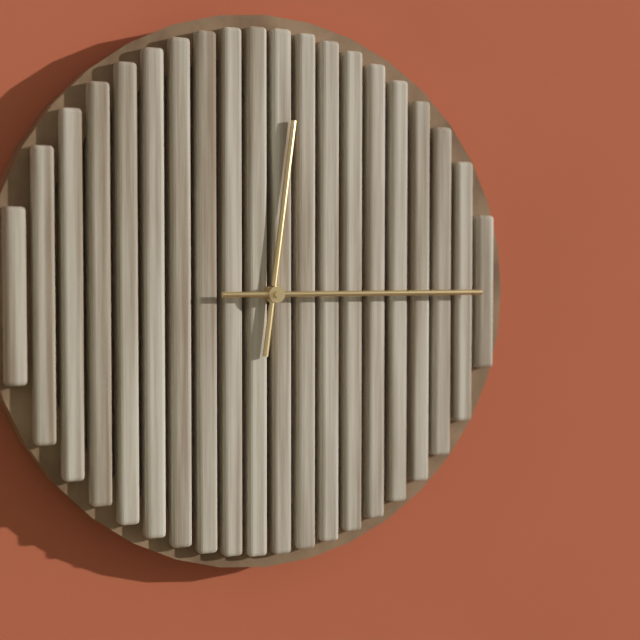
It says 12 h 15 min
